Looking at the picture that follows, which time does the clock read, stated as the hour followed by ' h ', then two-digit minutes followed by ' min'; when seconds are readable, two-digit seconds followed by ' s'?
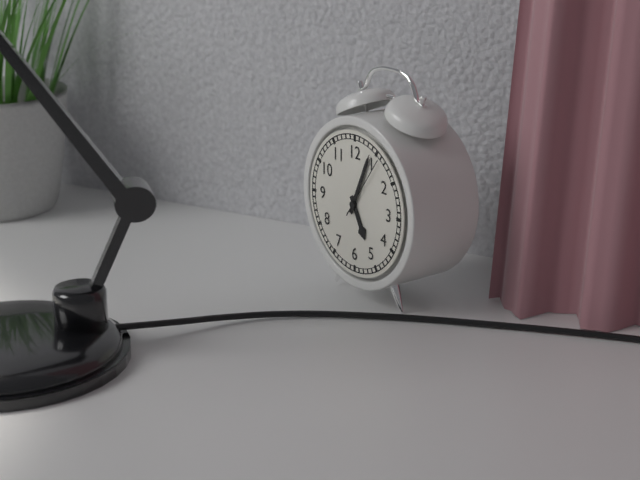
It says 5 h 04 min 06 s
